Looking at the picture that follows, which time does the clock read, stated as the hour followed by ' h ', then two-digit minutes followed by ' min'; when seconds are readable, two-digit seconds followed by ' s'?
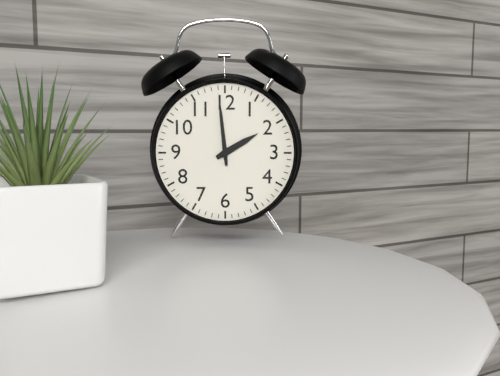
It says 1 h 59 min
